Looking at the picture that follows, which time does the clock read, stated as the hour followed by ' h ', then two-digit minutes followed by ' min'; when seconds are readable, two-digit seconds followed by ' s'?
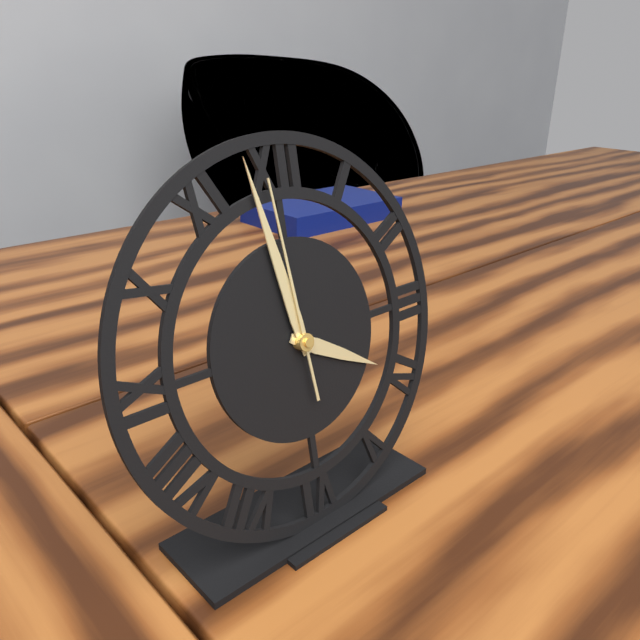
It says 3 h 58 min 59 s
